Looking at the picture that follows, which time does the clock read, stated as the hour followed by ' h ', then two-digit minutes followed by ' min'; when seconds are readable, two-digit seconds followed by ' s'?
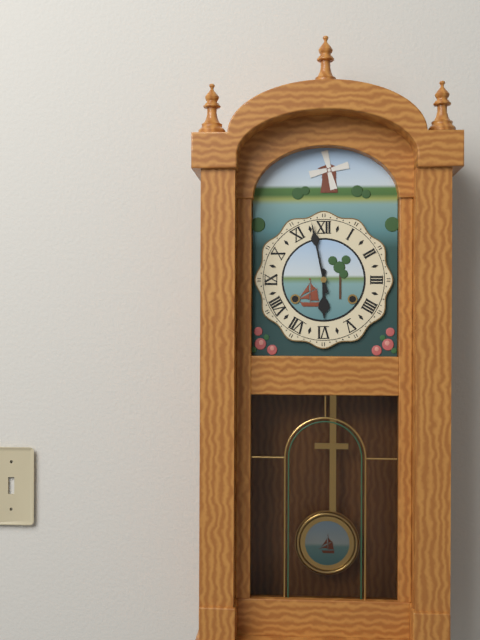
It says 5 h 58 min
